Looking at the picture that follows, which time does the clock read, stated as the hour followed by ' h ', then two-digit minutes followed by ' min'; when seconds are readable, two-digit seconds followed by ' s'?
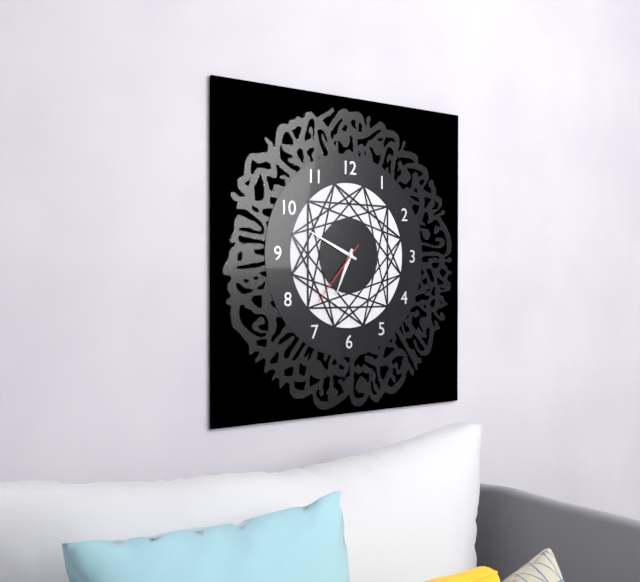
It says 6 h 49 min 37 s
